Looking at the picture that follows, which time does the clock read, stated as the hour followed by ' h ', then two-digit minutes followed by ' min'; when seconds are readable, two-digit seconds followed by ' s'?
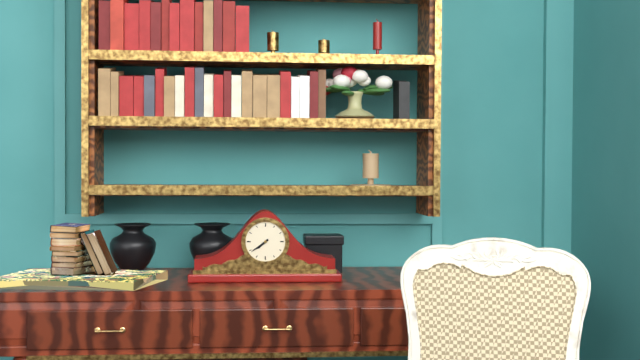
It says 7 h 39 min
